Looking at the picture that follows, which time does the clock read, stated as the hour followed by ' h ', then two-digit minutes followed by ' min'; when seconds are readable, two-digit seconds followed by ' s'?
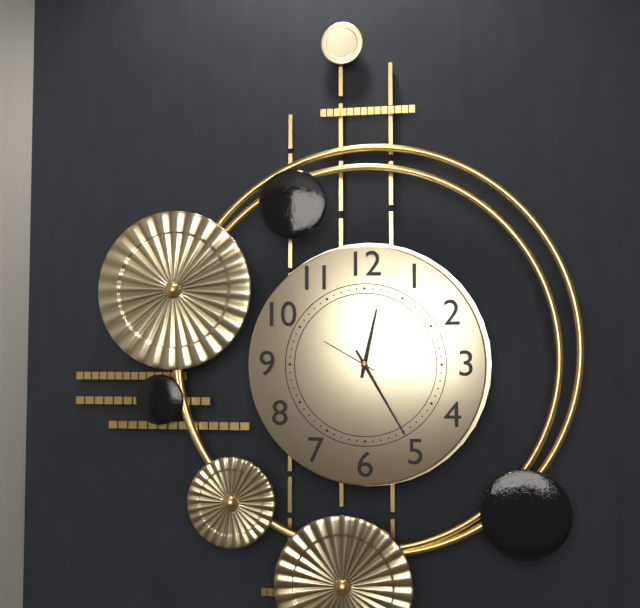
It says 12 h 25 min 50 s
